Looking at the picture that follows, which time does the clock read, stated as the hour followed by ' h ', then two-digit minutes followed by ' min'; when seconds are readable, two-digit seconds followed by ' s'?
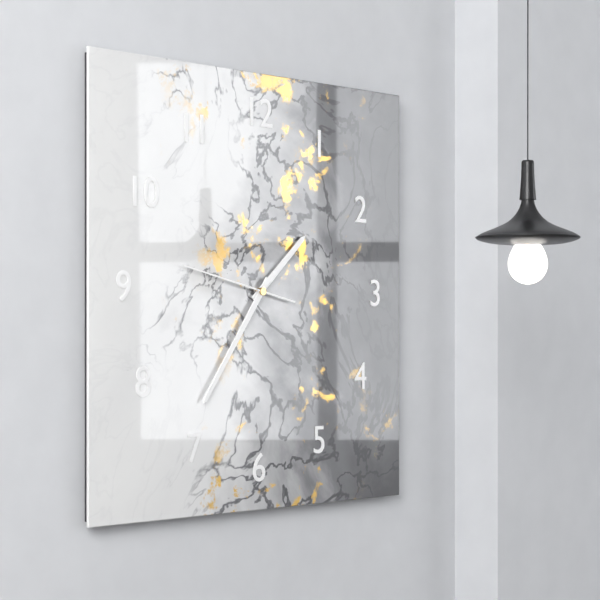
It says 1 h 36 min 47 s
